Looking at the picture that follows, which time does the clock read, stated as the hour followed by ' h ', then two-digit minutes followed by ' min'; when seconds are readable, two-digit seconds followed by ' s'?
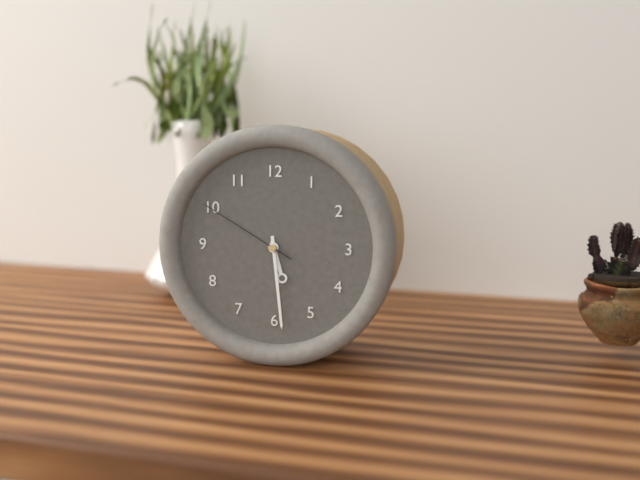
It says 5 h 29 min 50 s
